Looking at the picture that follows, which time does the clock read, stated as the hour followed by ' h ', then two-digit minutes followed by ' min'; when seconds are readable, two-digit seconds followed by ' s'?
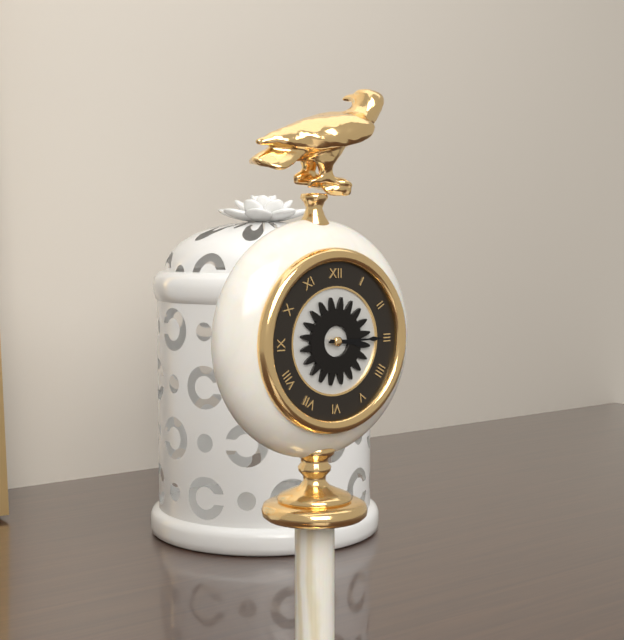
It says 3 h 15 min
